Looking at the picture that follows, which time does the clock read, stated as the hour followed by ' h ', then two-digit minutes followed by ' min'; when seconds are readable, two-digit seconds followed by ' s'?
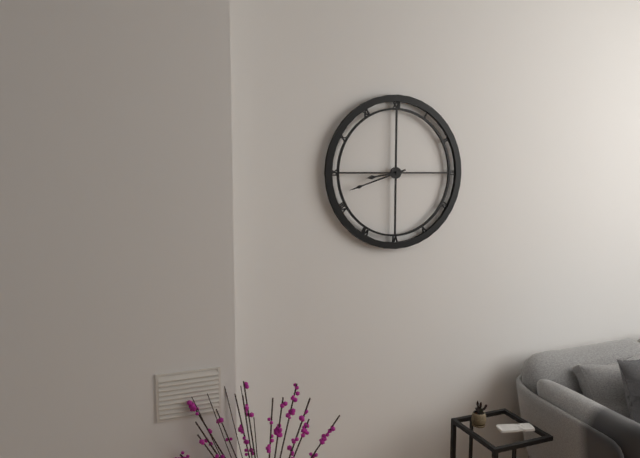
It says 8 h 42 min
